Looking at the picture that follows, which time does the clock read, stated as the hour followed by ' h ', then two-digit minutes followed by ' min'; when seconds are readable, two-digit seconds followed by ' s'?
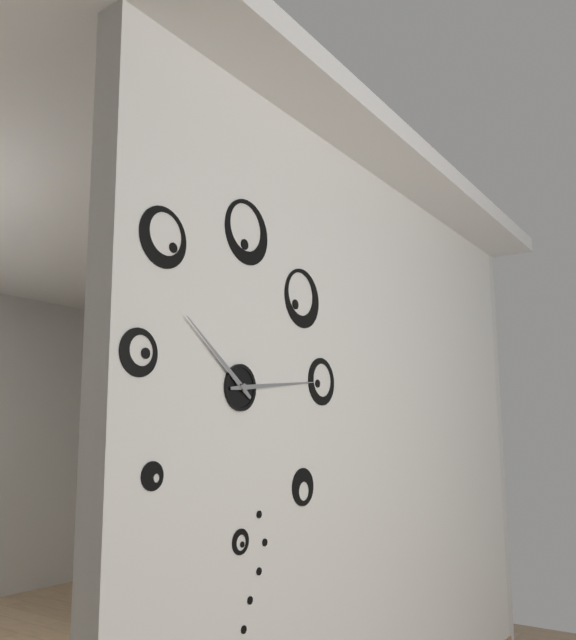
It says 10 h 14 min
